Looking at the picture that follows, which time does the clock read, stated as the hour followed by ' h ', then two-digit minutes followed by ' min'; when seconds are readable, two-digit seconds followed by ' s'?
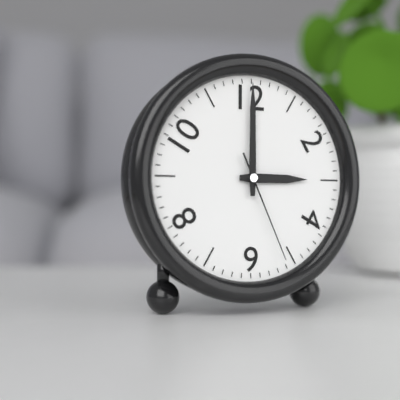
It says 3 h 00 min 26 s
